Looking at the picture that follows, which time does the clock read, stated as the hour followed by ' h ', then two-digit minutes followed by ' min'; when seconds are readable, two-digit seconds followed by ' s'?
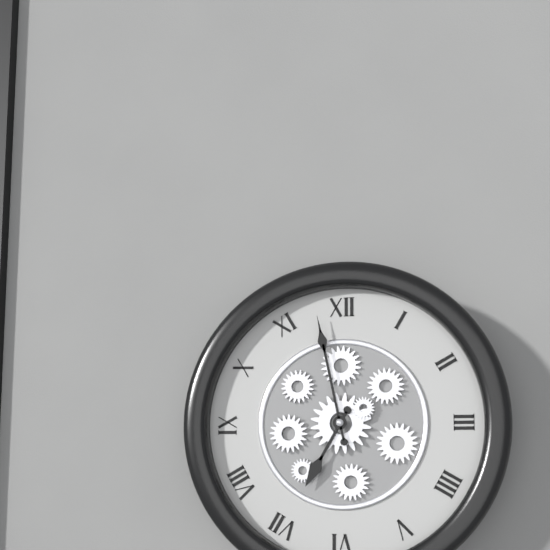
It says 6 h 58 min
